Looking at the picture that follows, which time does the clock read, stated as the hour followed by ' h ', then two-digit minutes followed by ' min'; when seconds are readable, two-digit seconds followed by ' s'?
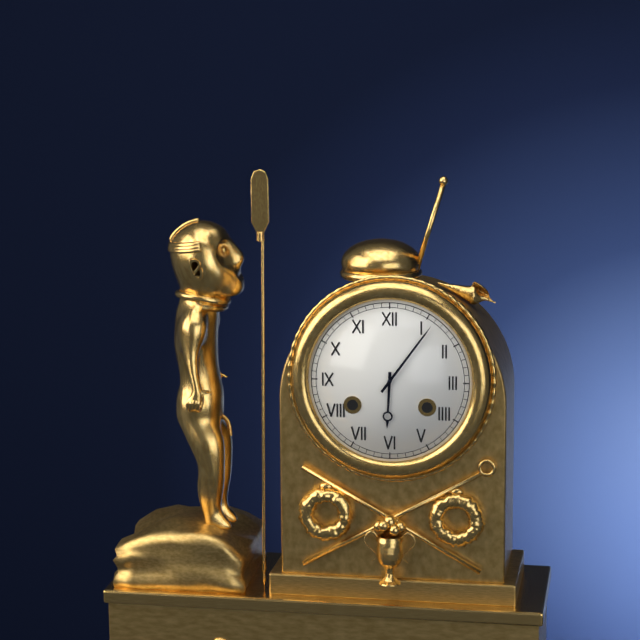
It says 6 h 06 min
